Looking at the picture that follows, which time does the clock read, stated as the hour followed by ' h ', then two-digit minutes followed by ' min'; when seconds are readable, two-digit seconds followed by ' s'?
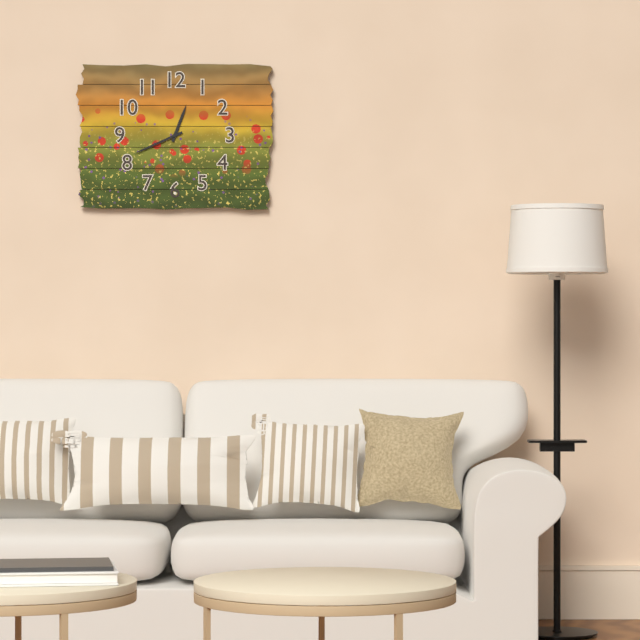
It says 12 h 41 min
